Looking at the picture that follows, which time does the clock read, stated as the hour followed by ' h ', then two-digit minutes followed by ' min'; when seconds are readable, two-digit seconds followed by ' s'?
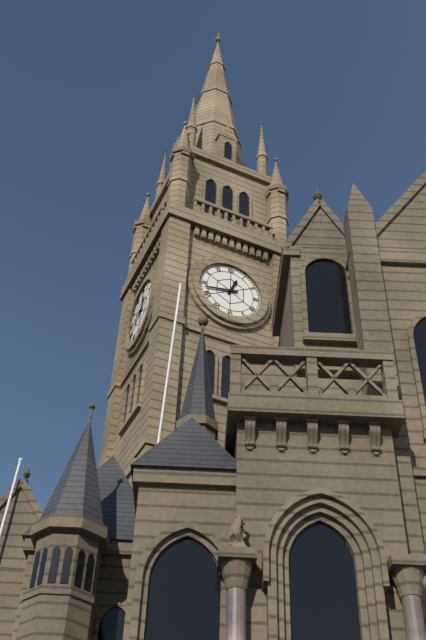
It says 12 h 43 min
